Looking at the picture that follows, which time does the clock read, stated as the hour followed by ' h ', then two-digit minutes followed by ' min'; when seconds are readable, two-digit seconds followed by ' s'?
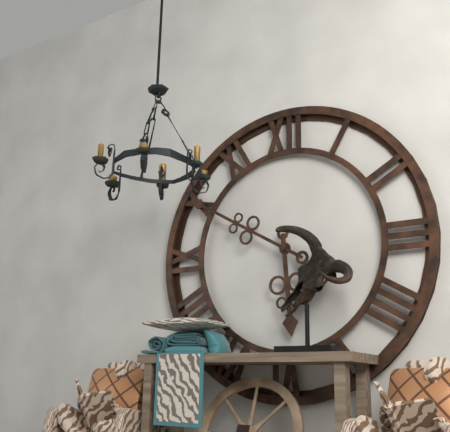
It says 5 h 50 min
